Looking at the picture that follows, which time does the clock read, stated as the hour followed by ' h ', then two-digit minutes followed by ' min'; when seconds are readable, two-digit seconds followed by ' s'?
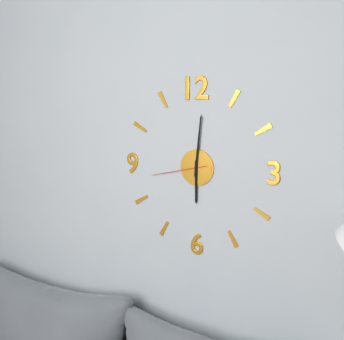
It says 6 h 01 min 43 s
